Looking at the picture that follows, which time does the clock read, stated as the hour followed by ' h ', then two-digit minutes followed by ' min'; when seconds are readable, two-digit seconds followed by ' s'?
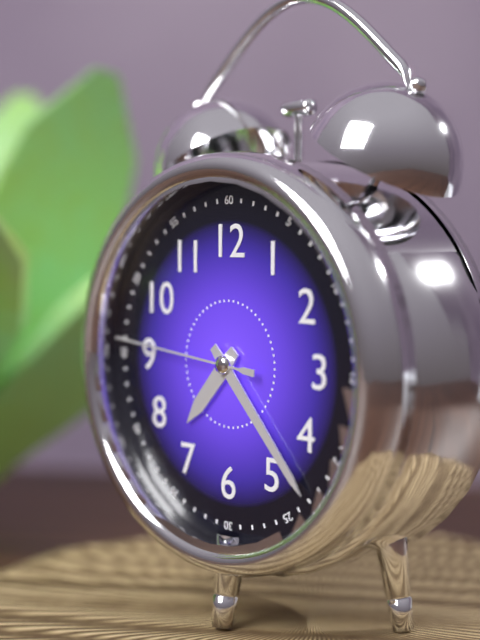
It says 7 h 23 min 46 s
